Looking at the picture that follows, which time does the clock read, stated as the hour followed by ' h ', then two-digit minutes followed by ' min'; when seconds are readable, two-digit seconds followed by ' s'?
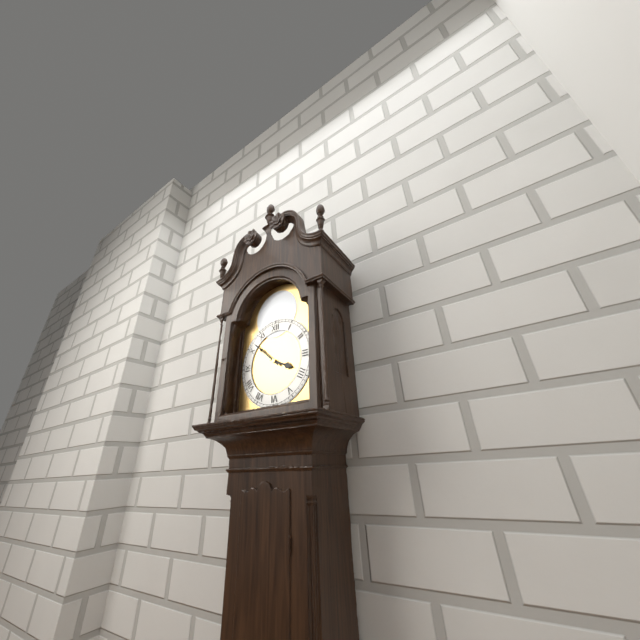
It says 3 h 52 min
